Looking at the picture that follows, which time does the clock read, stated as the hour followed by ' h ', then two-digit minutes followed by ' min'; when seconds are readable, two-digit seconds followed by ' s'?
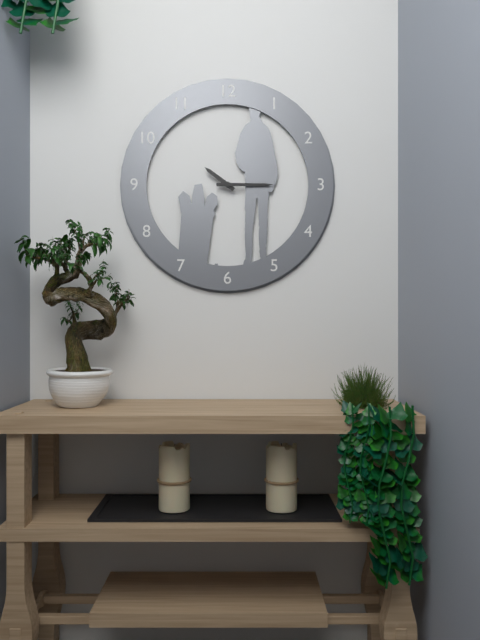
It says 10 h 15 min
